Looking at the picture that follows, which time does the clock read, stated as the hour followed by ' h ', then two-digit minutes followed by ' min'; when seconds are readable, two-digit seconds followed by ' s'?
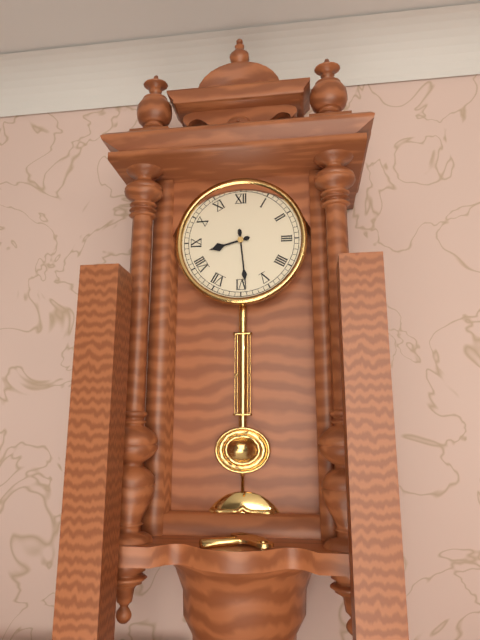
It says 8 h 29 min
